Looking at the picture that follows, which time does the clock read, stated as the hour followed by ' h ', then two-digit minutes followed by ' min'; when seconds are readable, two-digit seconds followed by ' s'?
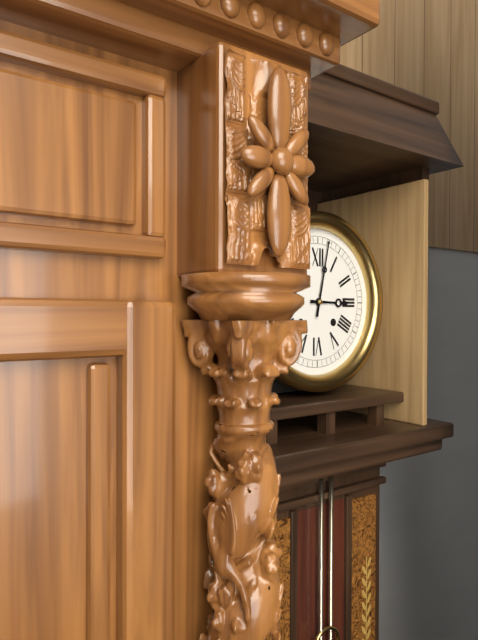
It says 3 h 02 min
